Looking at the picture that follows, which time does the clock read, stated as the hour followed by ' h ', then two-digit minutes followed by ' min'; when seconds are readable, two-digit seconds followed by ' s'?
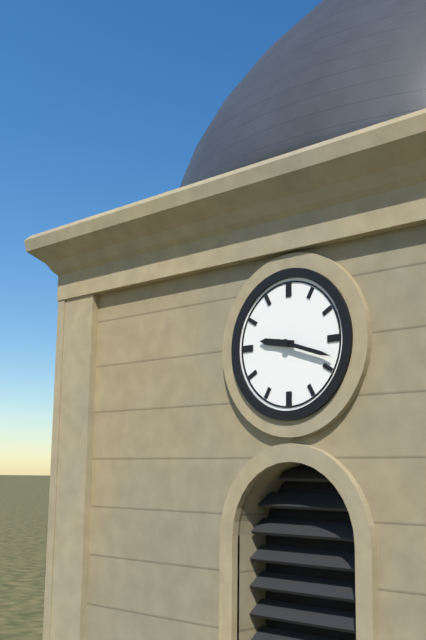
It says 9 h 18 min
